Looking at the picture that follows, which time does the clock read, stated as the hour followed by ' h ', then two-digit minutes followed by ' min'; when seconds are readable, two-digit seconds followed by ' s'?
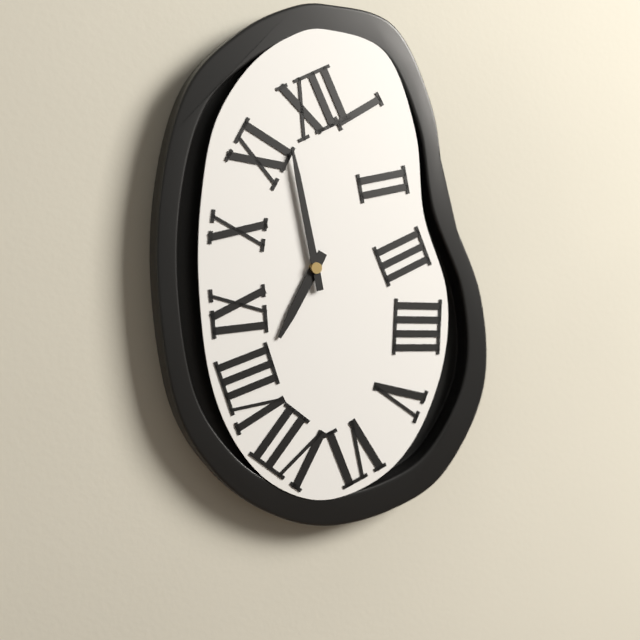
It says 6 h 58 min
